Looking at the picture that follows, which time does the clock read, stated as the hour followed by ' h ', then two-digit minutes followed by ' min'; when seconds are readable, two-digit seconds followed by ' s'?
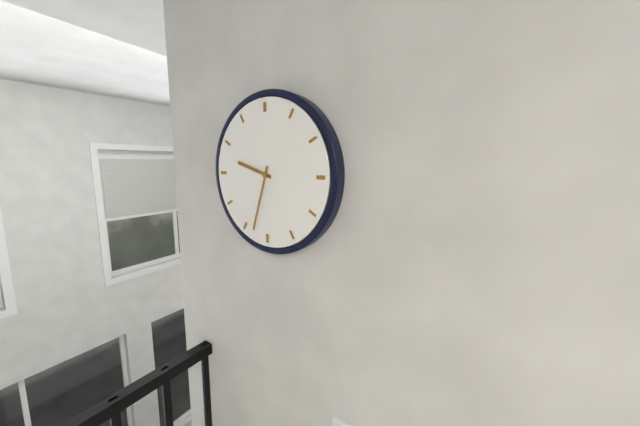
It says 9 h 33 min
